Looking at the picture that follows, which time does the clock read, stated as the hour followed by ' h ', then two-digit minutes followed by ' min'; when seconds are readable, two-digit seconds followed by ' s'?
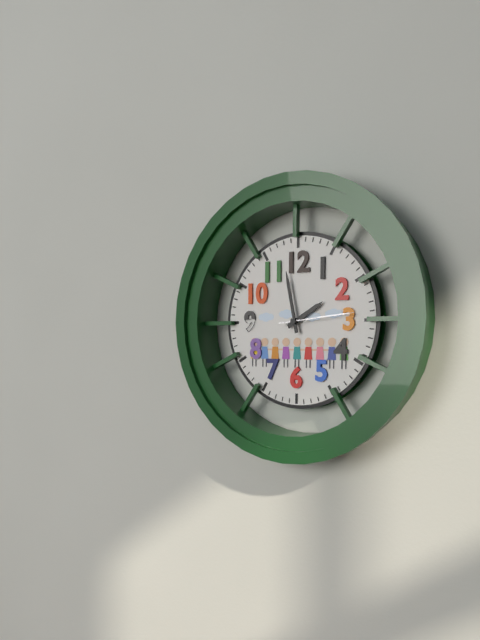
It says 1 h 58 min 14 s
